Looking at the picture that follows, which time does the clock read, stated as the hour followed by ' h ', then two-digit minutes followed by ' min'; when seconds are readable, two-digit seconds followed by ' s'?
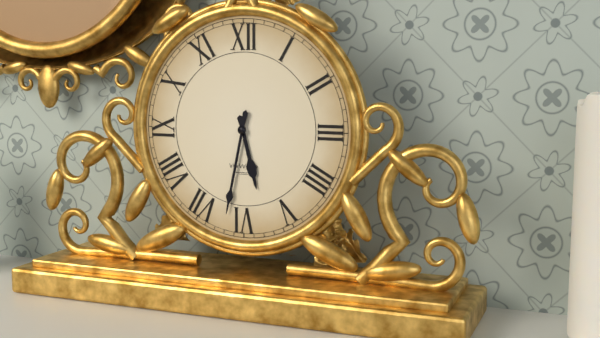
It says 5 h 32 min
